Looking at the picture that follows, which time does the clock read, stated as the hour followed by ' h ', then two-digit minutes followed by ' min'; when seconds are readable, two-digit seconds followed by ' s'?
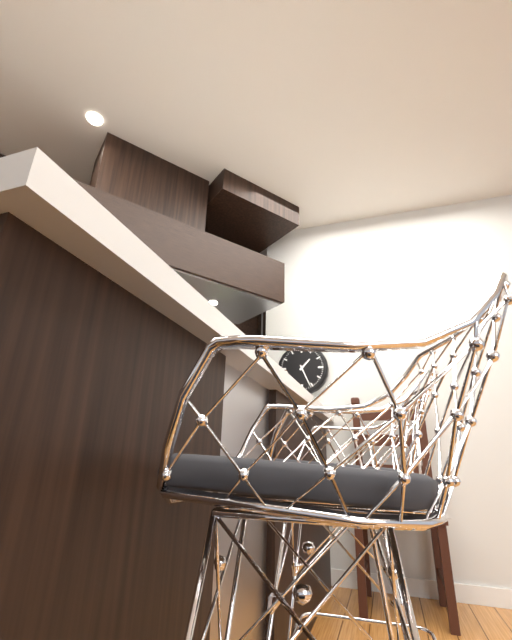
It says 1 h 26 min
